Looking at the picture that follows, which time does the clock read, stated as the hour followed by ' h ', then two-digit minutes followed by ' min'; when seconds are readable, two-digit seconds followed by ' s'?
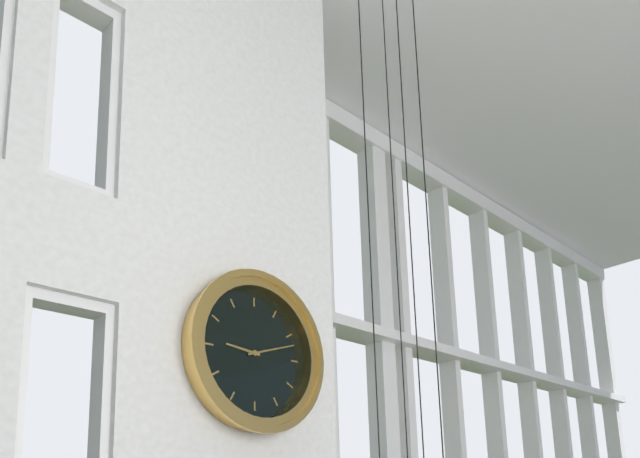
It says 9 h 12 min
